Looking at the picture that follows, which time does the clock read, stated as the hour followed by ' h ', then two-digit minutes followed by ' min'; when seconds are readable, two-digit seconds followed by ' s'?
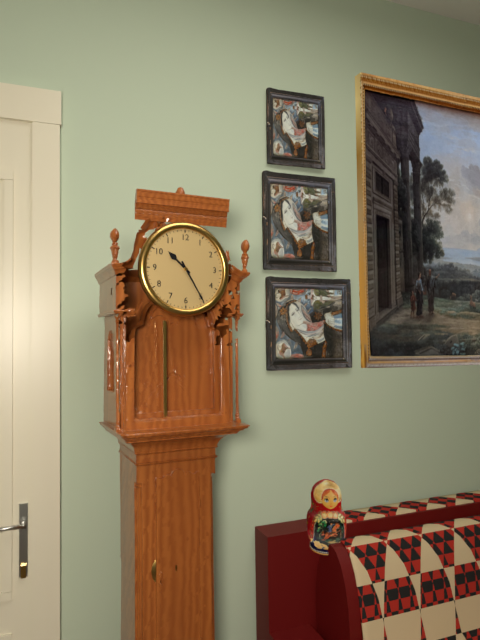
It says 10 h 25 min
